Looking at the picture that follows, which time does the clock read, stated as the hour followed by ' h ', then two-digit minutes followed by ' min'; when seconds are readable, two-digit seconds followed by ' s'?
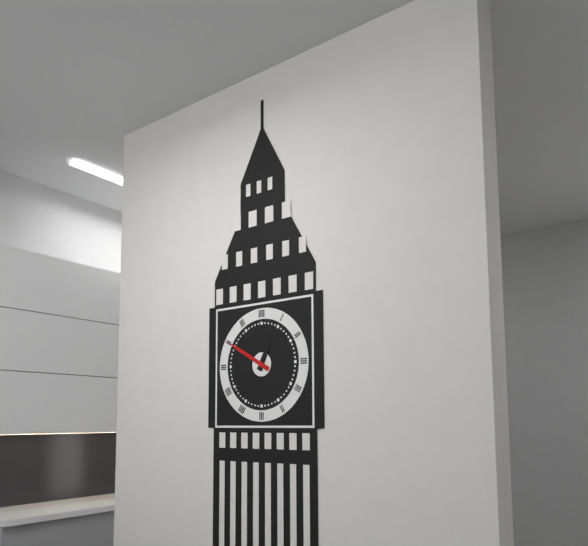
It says 12 h 50 min
